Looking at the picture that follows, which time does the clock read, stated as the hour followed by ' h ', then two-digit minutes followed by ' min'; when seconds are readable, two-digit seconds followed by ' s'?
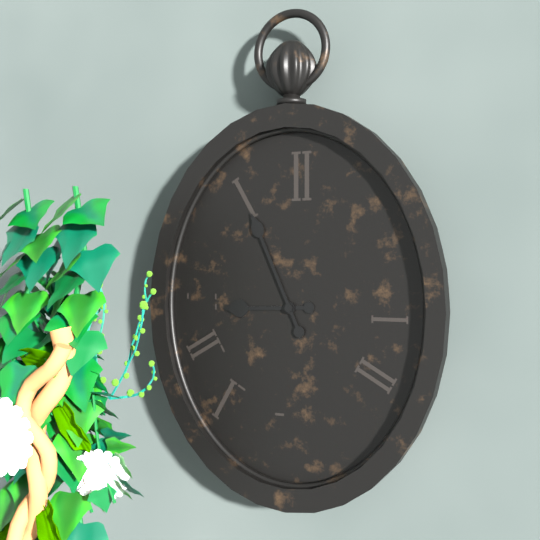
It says 8 h 56 min
